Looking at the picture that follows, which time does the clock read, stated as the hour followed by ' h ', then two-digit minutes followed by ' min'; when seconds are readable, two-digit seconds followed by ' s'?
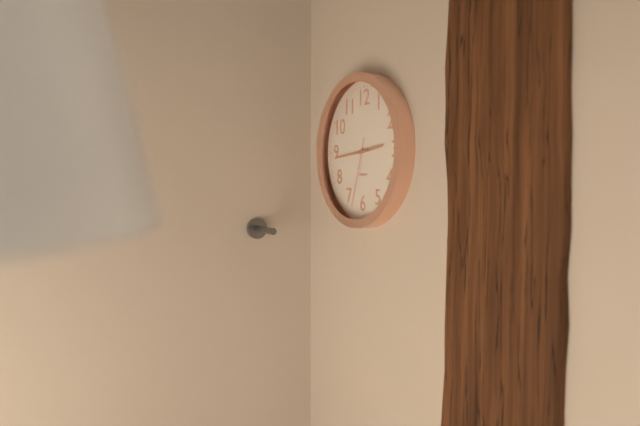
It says 2 h 44 min 33 s
